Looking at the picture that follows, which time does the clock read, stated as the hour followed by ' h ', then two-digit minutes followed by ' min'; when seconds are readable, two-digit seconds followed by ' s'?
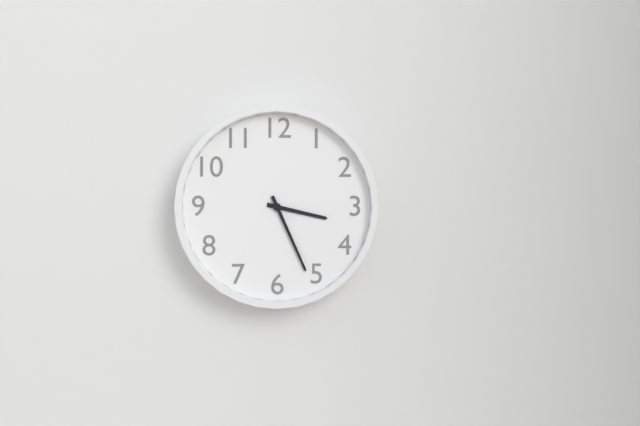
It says 3 h 26 min
